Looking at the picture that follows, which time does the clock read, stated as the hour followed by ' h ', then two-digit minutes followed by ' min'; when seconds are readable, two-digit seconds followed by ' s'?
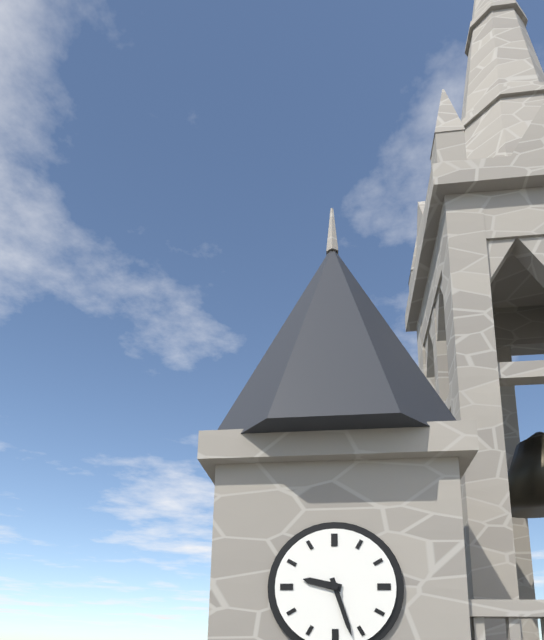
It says 9 h 27 min
